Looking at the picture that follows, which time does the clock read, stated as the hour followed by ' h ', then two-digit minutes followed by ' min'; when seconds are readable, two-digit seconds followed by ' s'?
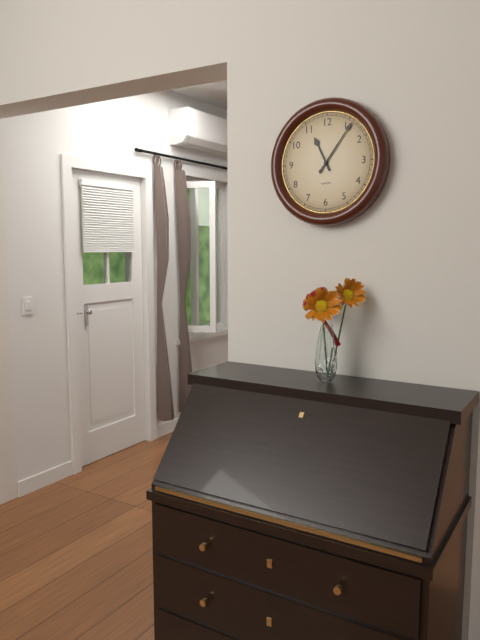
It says 11 h 06 min
